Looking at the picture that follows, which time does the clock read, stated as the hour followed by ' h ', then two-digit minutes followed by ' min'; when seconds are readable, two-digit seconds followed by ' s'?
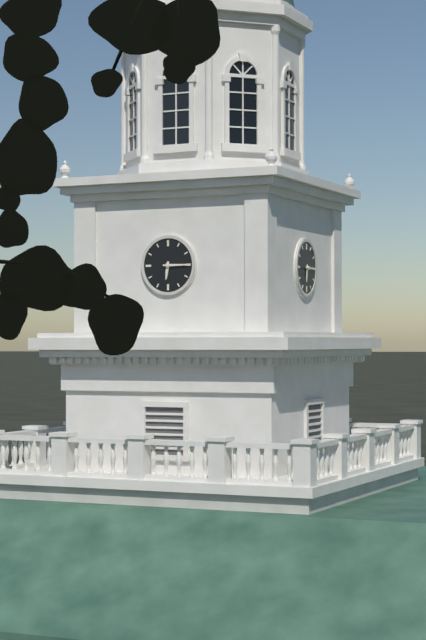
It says 6 h 15 min
